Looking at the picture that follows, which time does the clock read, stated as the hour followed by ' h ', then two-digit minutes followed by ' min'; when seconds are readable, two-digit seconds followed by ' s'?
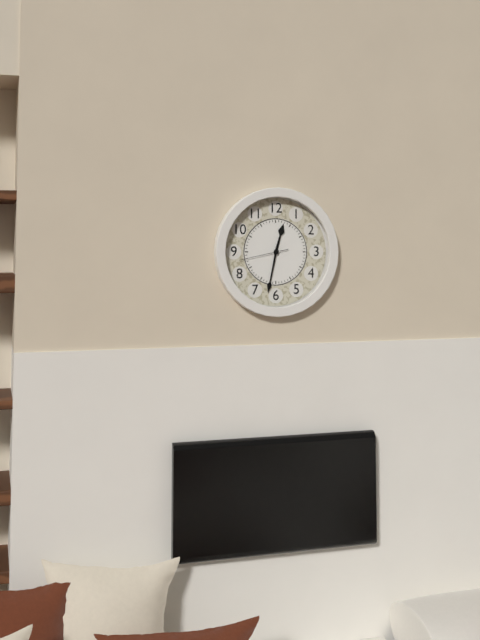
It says 12 h 32 min
